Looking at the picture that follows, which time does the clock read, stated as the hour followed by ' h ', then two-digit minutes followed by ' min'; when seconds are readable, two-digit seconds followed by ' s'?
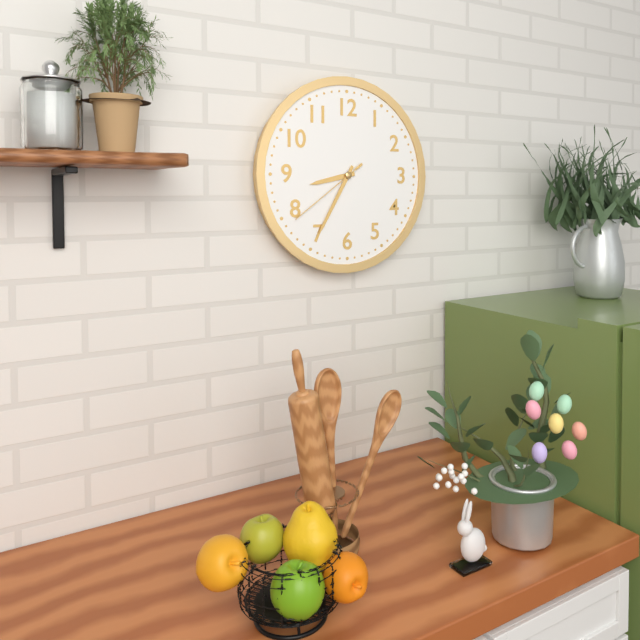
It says 8 h 35 min 39 s
